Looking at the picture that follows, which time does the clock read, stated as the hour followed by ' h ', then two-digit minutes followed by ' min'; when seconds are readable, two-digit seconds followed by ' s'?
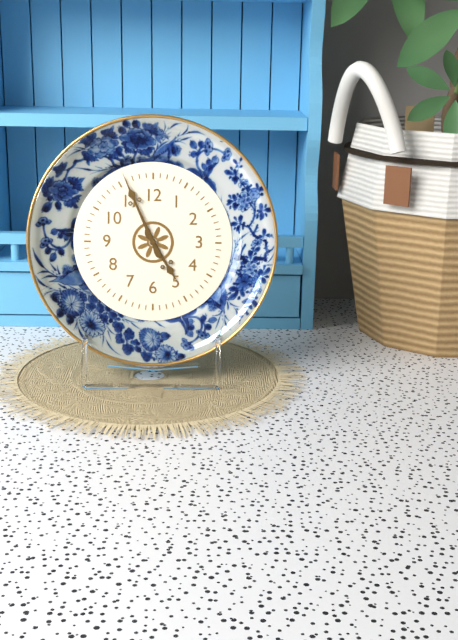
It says 4 h 56 min
